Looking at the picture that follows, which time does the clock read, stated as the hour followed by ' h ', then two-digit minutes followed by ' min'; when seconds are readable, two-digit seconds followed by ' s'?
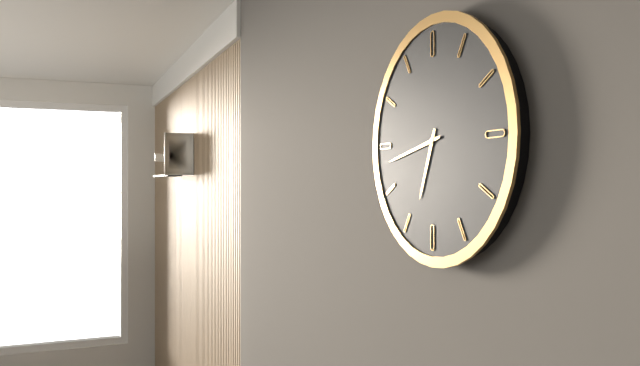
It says 6 h 43 min
